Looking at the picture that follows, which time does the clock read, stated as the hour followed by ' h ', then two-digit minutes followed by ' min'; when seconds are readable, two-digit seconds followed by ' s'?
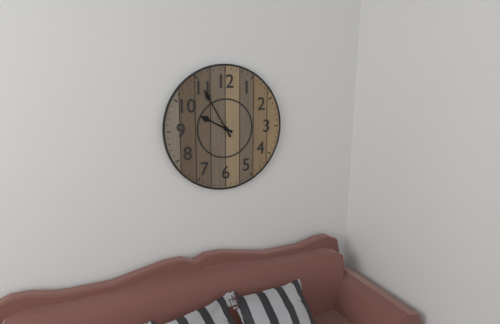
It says 9 h 55 min
